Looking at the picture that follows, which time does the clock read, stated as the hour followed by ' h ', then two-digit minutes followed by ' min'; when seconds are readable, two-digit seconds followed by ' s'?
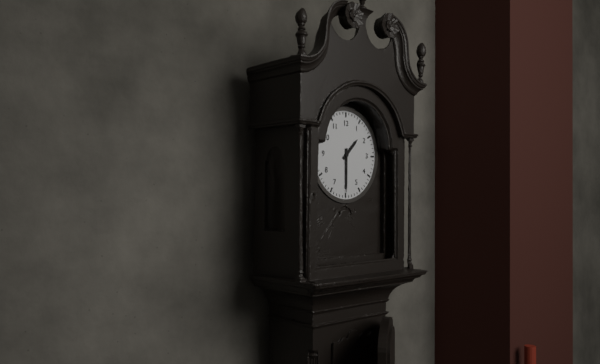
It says 1 h 30 min
